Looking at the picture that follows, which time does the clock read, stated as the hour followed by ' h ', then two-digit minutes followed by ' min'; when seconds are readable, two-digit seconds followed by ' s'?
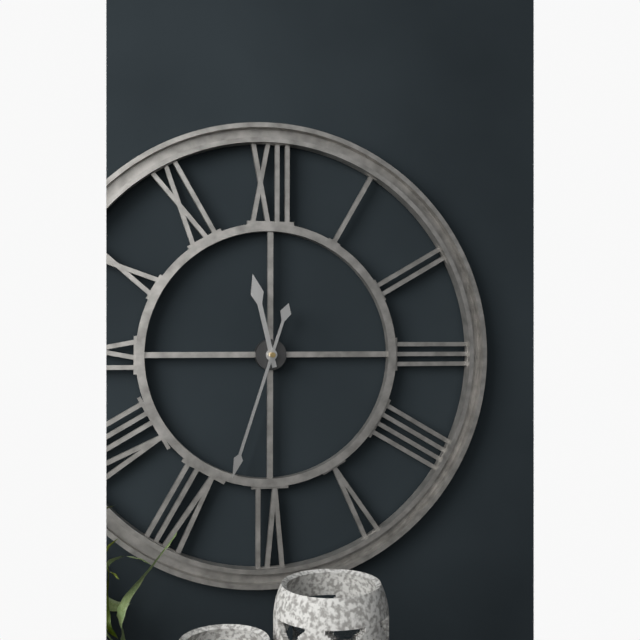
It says 11 h 33 min
